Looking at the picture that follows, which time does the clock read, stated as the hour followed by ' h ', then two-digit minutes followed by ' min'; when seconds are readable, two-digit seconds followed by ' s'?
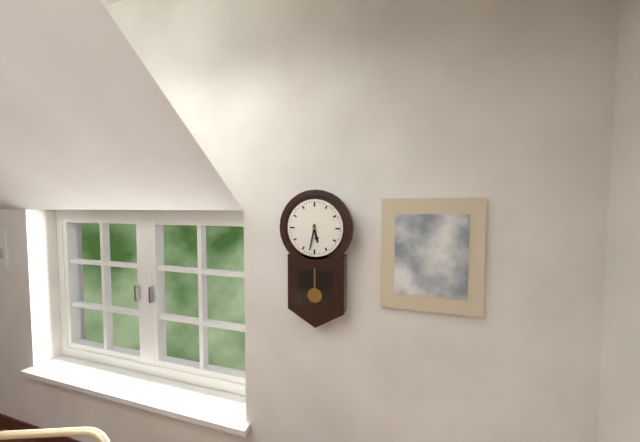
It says 5 h 32 min
